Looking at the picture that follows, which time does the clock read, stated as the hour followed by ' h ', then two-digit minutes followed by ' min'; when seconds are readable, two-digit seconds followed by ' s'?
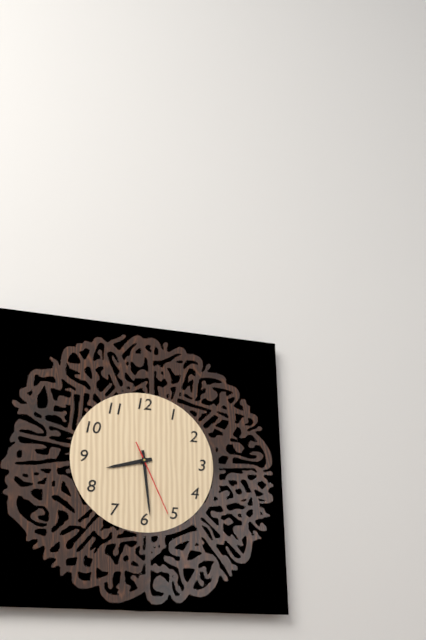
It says 8 h 29 min 26 s
